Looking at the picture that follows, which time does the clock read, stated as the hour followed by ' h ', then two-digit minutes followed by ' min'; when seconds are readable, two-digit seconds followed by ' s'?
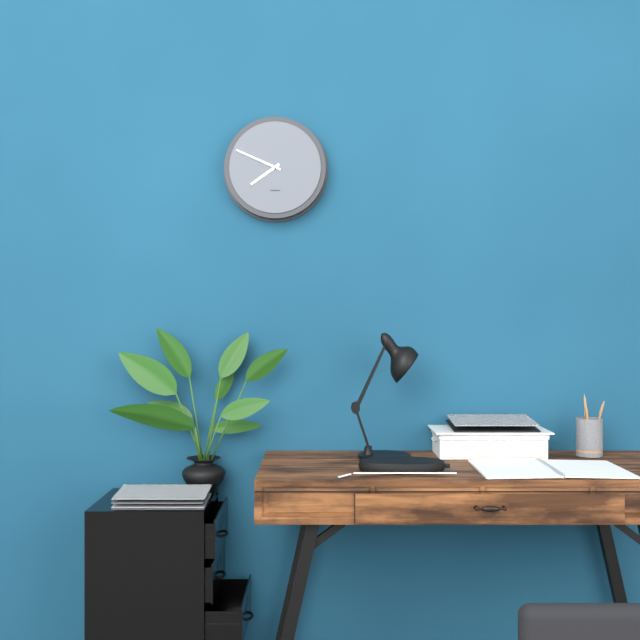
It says 7 h 49 min
